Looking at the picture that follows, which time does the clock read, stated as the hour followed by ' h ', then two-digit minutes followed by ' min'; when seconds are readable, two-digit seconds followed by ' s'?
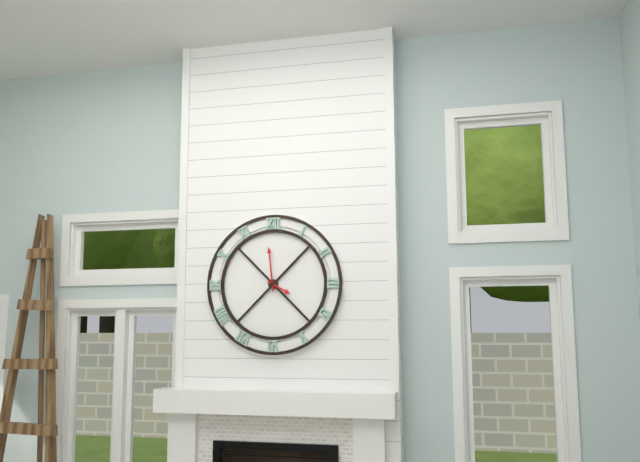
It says 3 h 59 min
